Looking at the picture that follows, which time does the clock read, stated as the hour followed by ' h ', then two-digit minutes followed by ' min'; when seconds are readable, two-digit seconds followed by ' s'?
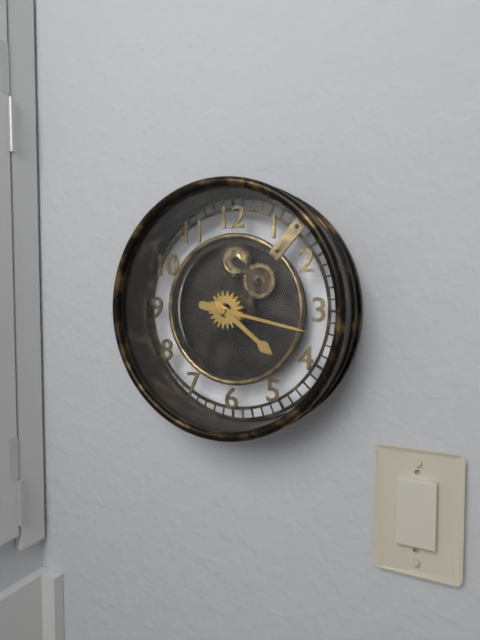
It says 4 h 17 min
